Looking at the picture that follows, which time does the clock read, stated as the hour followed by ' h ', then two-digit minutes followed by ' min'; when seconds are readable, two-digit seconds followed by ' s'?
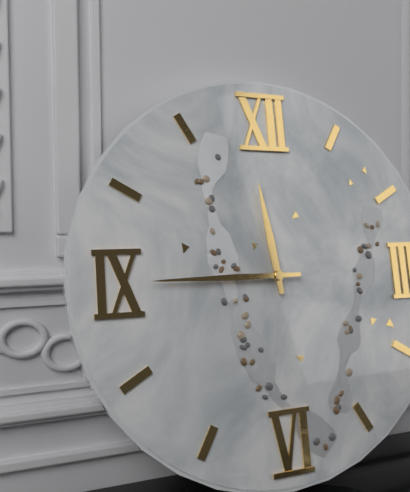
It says 11 h 45 min
